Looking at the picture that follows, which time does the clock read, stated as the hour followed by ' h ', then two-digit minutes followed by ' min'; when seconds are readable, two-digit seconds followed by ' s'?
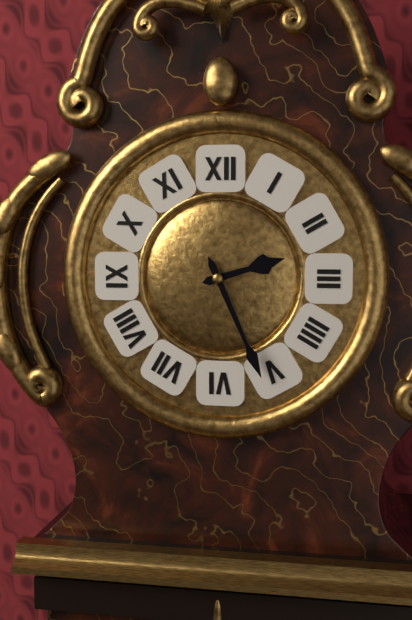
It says 2 h 26 min
